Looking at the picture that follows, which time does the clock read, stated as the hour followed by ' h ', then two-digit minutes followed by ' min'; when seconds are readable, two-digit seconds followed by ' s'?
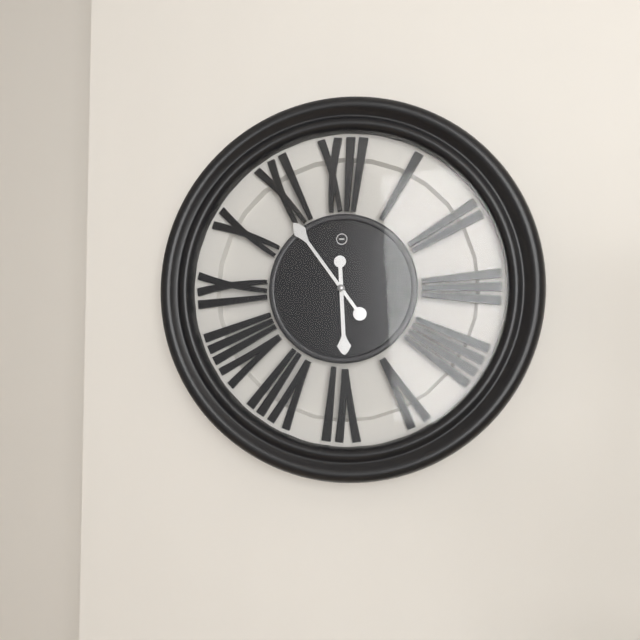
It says 5 h 54 min
